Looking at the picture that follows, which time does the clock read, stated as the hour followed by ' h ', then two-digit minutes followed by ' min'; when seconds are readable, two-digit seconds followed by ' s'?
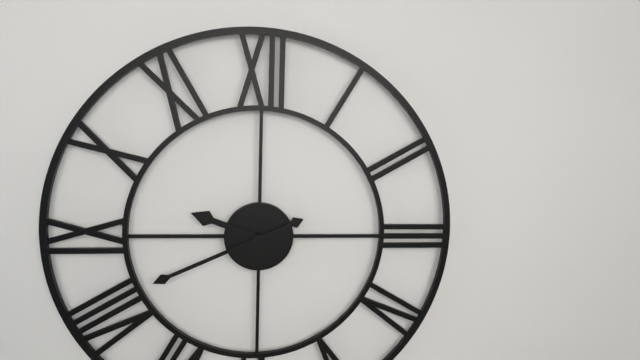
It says 9 h 41 min
